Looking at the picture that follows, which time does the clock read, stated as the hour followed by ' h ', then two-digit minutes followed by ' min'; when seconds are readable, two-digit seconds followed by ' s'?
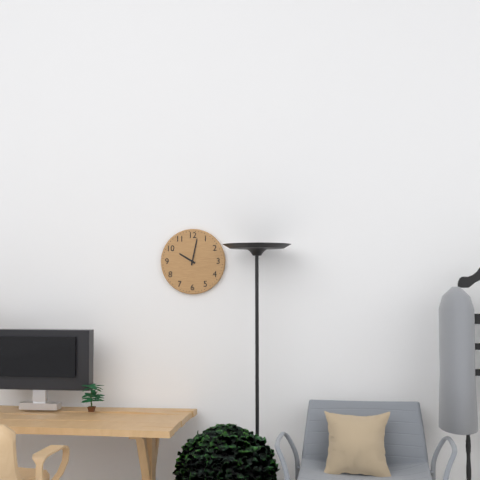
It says 10 h 02 min
